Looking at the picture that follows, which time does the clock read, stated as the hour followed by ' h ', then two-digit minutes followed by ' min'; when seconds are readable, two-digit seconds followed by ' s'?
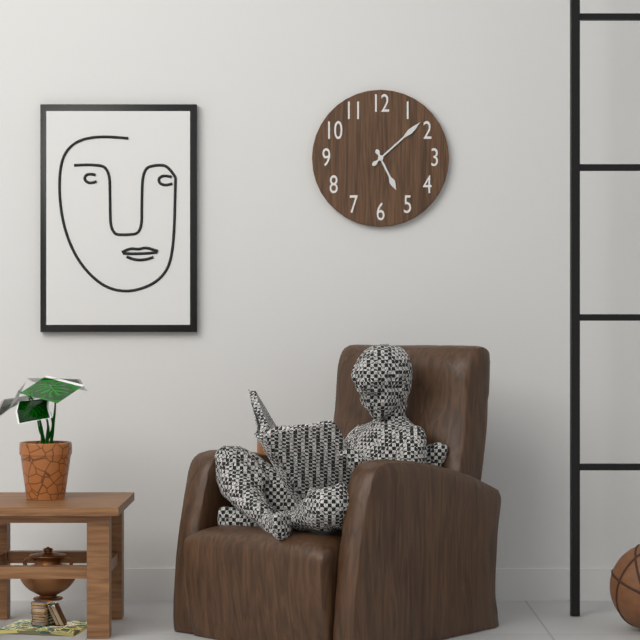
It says 5 h 08 min
